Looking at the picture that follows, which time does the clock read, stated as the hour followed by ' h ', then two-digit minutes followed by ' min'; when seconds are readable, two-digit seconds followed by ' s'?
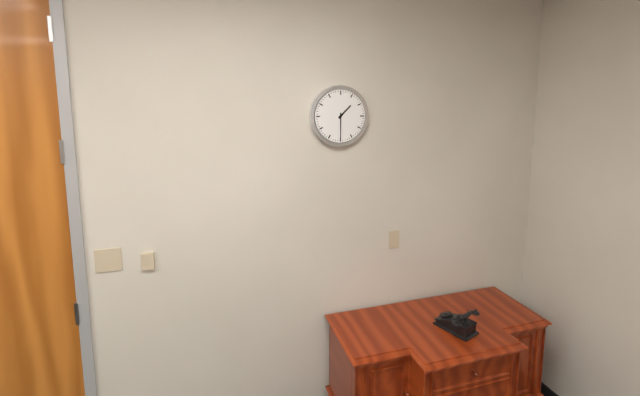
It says 1 h 30 min
